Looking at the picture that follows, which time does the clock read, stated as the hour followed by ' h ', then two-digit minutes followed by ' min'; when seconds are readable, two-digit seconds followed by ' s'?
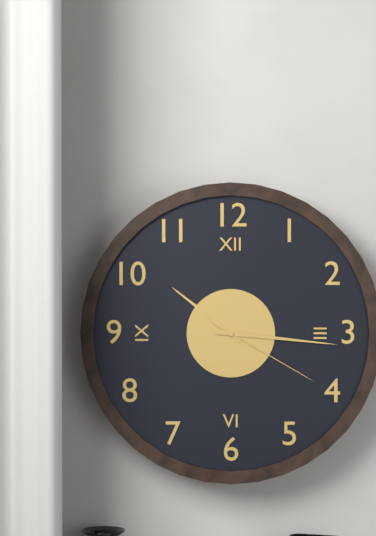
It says 10 h 16 min 20 s
